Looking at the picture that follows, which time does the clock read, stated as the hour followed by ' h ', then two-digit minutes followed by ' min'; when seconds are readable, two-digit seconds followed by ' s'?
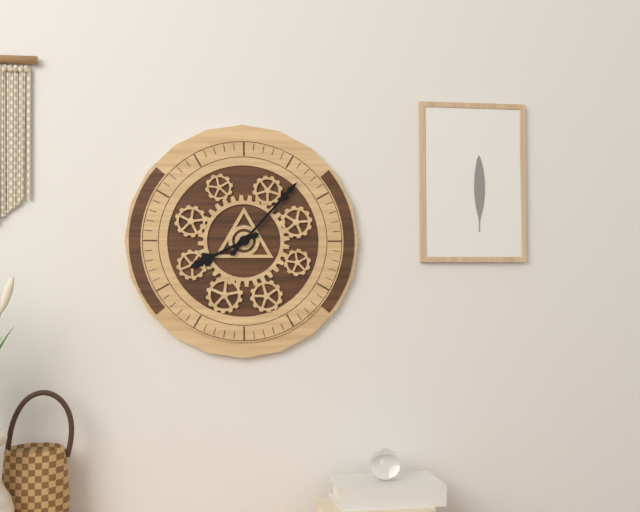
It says 8 h 07 min
